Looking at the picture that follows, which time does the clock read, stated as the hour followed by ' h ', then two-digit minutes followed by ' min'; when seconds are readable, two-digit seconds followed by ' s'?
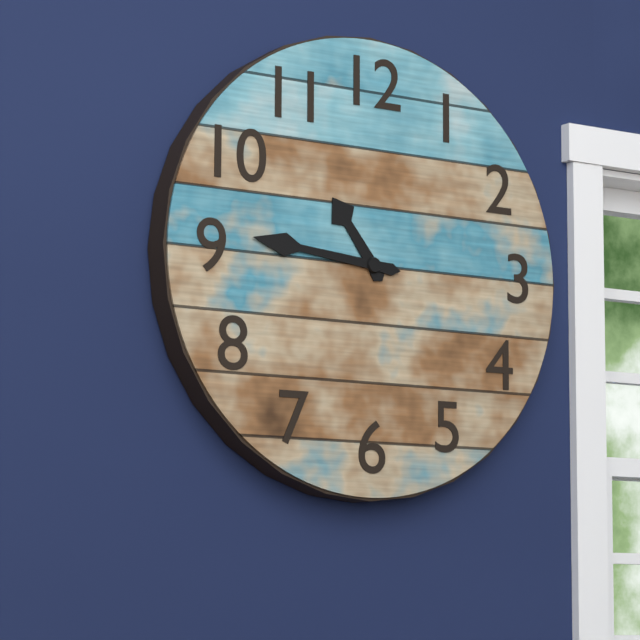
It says 10 h 46 min
